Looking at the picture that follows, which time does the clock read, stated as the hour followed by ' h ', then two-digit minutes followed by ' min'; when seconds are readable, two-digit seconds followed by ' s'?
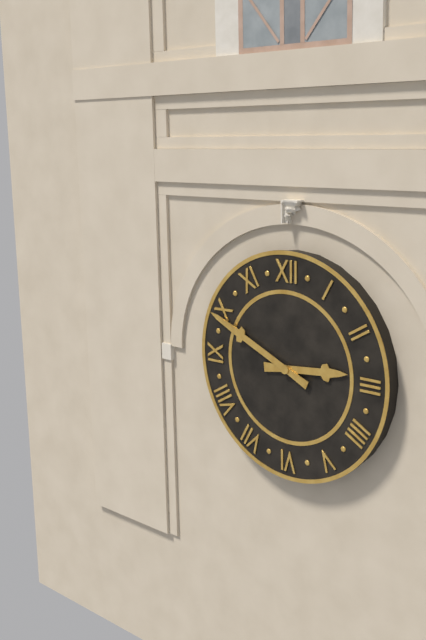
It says 2 h 49 min
